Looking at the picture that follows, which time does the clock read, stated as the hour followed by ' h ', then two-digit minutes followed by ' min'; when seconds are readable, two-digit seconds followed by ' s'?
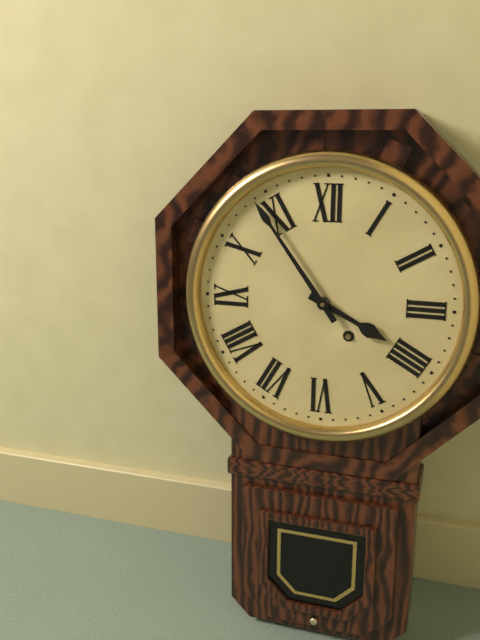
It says 3 h 54 min
